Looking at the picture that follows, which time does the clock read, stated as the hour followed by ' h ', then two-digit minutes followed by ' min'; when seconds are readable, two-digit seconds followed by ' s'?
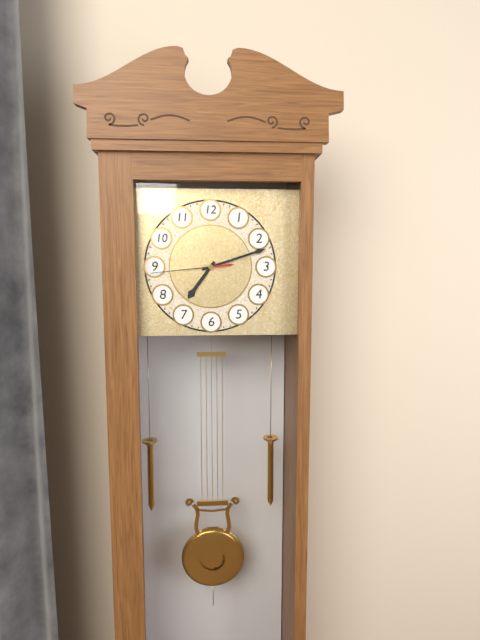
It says 7 h 12 min 44 s
